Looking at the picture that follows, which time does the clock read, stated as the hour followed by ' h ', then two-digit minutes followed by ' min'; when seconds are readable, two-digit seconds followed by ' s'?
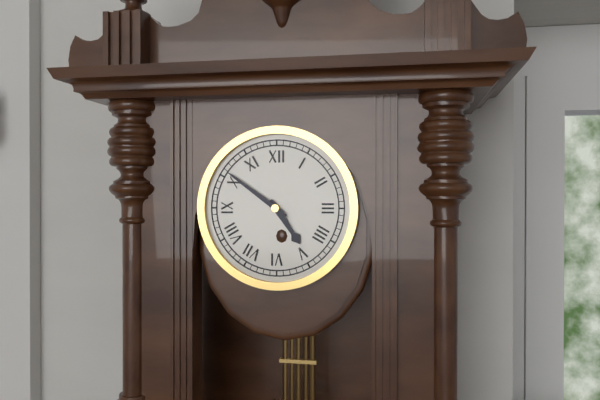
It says 4 h 51 min
